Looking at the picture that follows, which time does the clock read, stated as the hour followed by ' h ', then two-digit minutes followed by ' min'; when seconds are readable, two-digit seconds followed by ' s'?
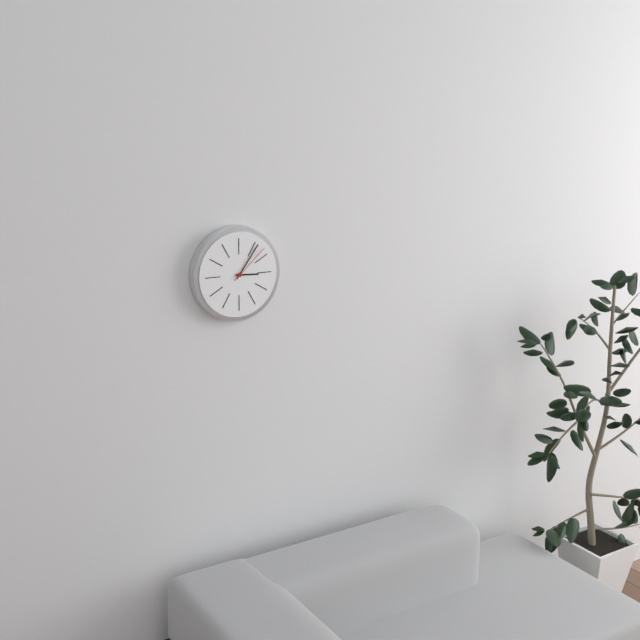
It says 3 h 06 min
